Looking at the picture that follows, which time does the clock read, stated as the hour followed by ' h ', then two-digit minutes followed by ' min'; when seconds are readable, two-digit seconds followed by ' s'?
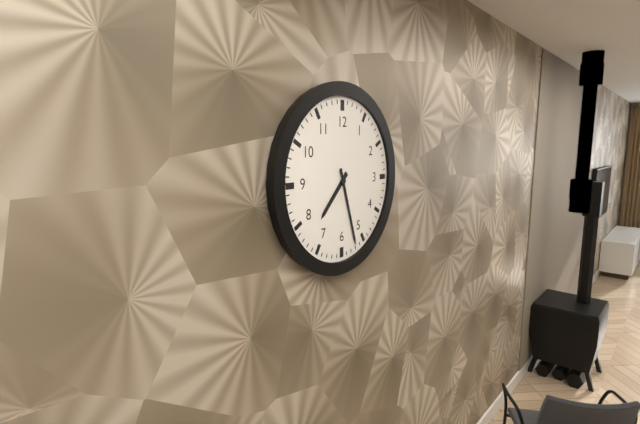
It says 7 h 27 min
